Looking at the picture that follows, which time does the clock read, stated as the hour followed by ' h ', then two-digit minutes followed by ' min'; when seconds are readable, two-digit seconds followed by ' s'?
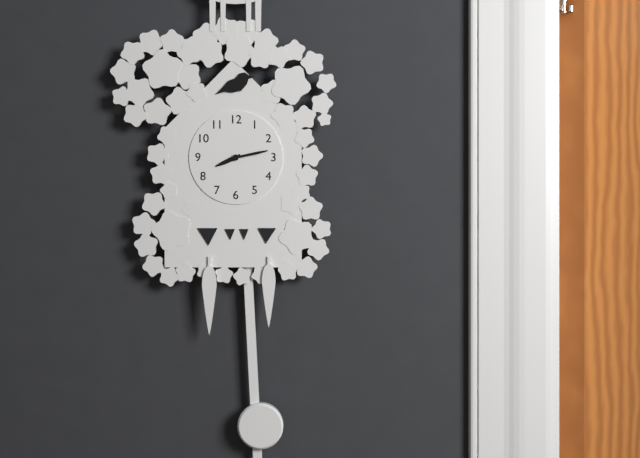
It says 8 h 13 min
